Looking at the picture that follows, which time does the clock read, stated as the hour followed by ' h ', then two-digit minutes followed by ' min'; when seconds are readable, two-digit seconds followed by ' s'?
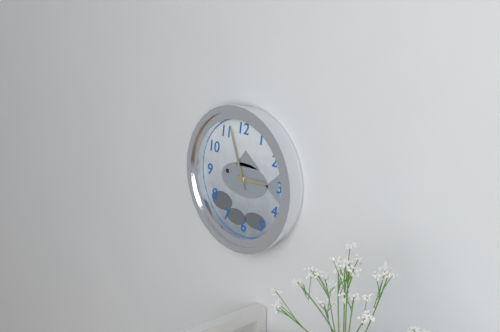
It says 2 h 57 min
